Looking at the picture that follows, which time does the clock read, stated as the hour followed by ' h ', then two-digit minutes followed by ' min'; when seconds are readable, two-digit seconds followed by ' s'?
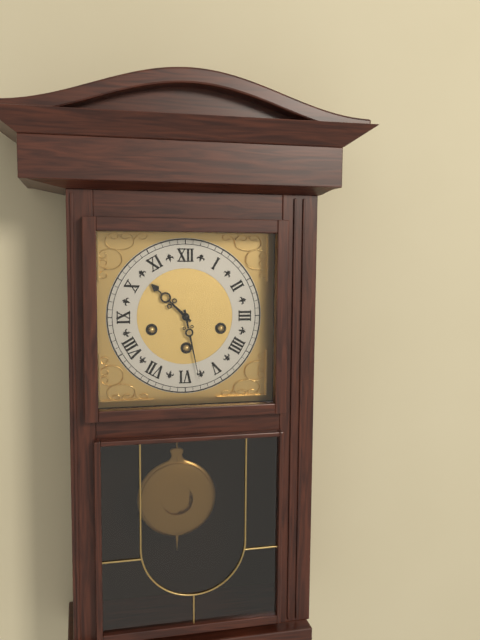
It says 10 h 28 min
